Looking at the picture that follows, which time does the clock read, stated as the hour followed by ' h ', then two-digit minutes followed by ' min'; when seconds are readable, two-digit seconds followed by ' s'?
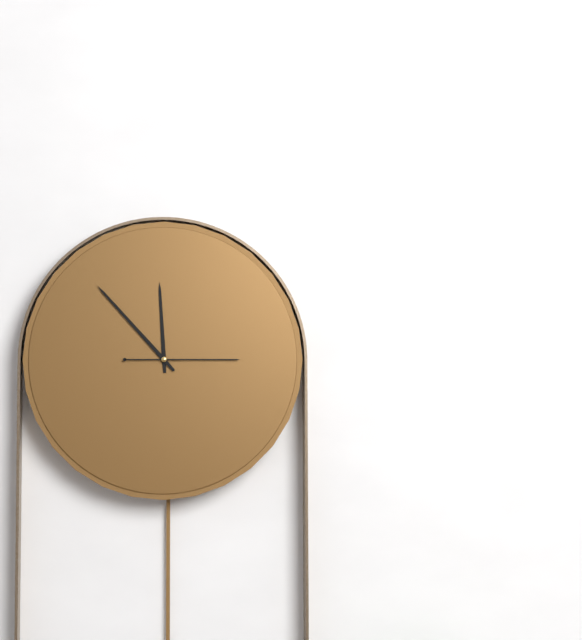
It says 11 h 53 min 15 s
